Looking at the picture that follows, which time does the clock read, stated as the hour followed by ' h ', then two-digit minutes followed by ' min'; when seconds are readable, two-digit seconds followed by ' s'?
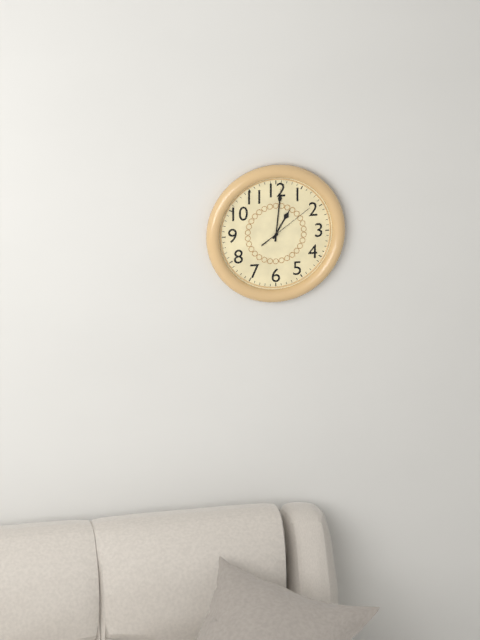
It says 1 h 01 min 09 s
